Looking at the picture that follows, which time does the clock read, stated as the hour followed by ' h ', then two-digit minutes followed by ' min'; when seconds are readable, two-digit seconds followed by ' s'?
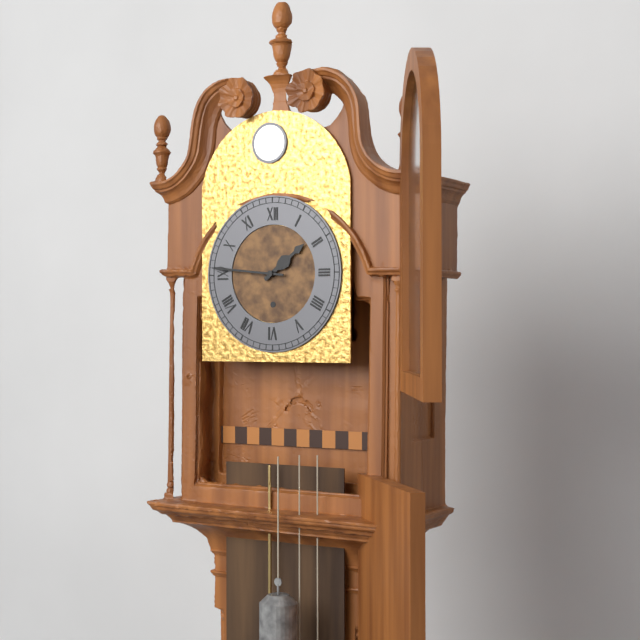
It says 1 h 46 min
